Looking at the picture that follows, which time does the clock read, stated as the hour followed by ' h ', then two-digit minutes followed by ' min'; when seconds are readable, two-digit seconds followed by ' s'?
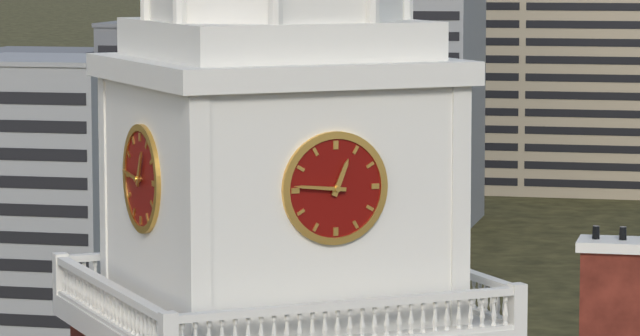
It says 12 h 46 min
